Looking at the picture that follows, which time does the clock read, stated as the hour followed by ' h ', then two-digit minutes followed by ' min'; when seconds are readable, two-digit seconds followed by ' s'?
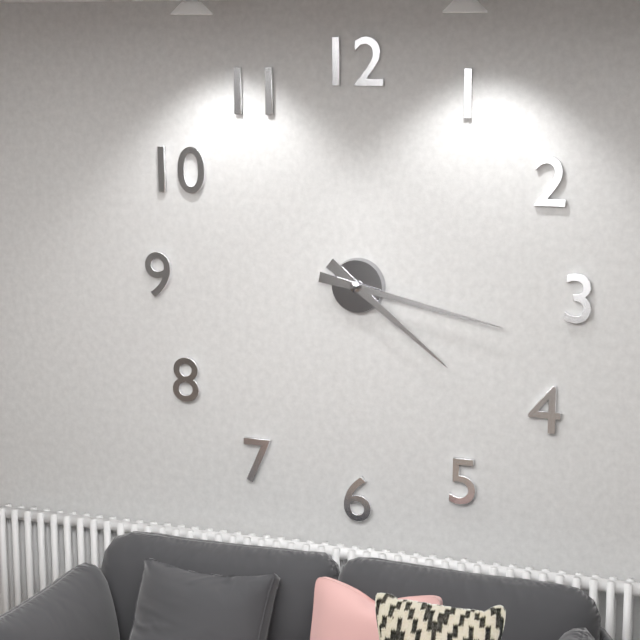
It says 4 h 17 min
